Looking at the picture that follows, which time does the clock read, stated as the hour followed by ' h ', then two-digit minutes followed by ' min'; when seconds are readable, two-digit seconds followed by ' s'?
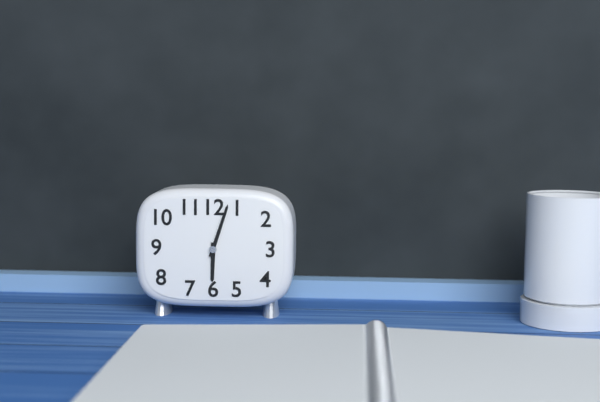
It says 6 h 03 min
